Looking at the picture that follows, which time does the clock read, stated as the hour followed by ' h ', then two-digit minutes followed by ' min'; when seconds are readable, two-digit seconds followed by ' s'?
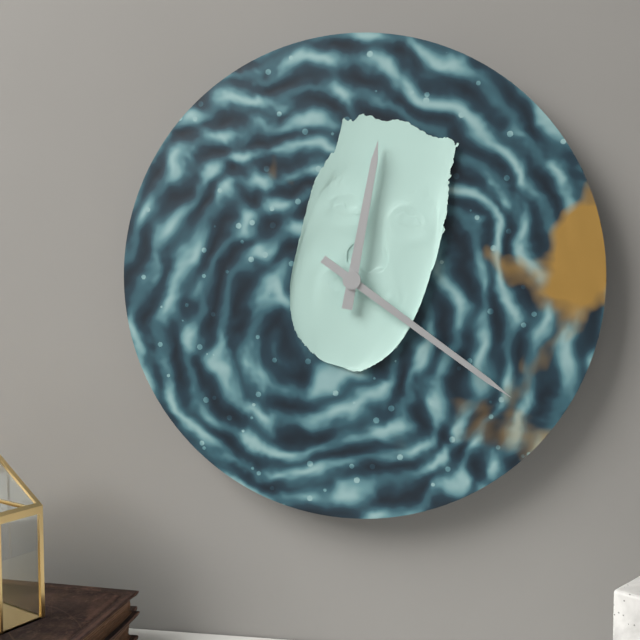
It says 12 h 21 min
